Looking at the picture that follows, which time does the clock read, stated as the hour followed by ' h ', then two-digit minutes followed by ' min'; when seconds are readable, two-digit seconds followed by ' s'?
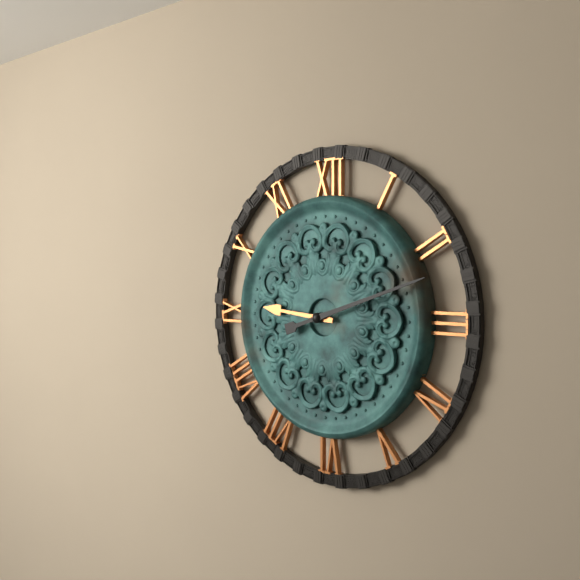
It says 9 h 12 min
